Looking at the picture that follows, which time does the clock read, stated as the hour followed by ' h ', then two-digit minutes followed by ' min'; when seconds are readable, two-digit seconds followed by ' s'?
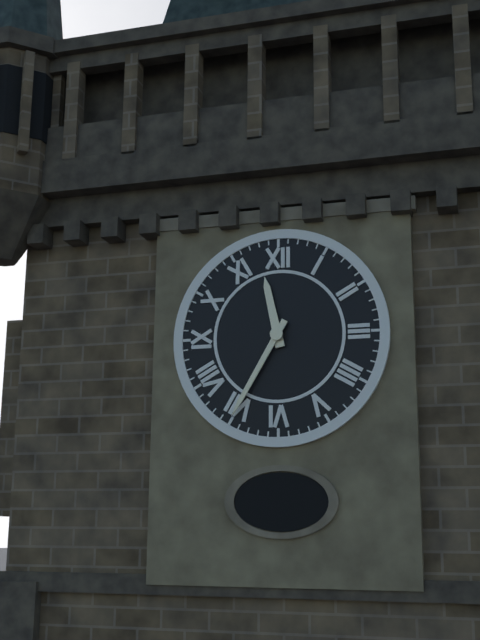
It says 11 h 35 min
